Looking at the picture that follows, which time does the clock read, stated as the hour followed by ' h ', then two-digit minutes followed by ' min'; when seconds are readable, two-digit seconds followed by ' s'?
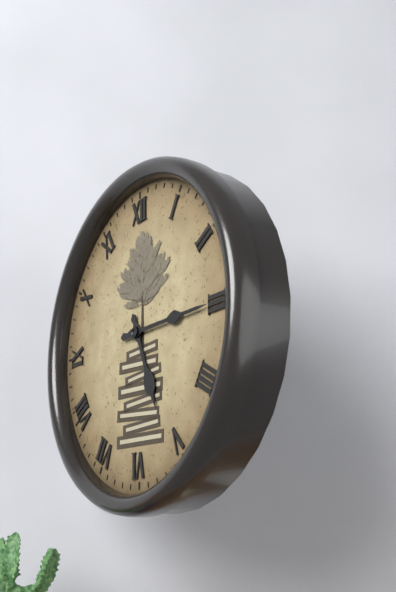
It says 5 h 15 min
